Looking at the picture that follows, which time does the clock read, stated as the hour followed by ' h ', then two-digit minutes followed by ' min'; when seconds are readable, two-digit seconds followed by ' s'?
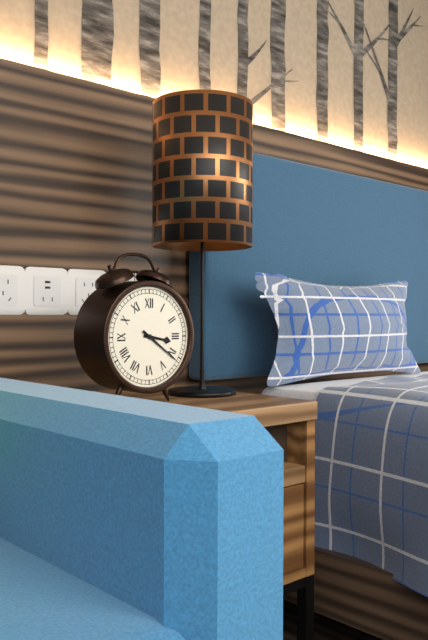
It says 3 h 21 min
